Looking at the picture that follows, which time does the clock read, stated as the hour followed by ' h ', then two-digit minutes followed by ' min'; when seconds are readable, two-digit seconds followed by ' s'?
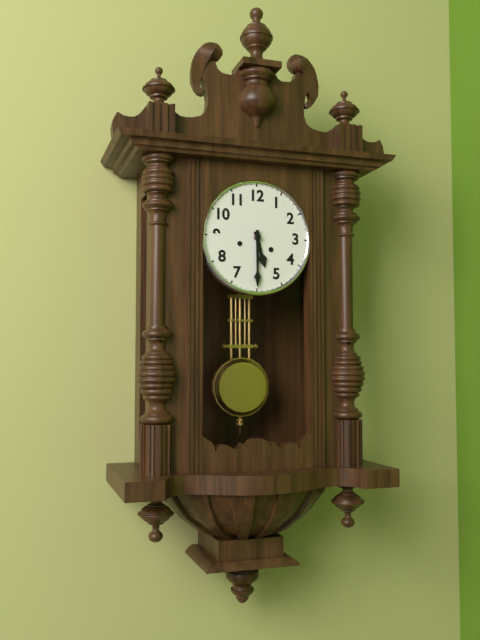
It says 5 h 30 min
